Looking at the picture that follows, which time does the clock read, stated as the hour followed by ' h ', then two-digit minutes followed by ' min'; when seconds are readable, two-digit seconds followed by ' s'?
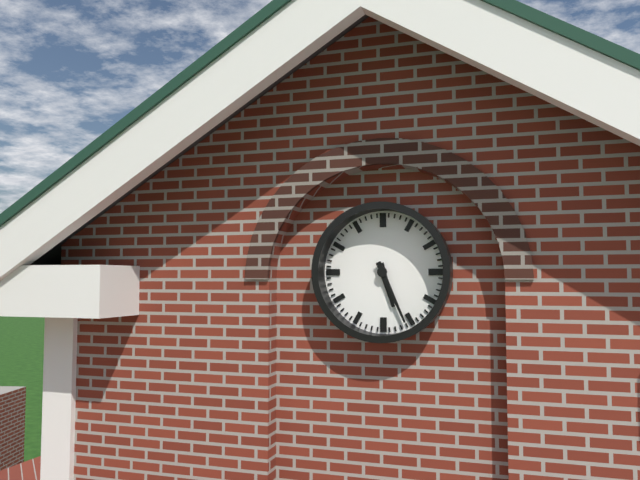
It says 5 h 26 min
